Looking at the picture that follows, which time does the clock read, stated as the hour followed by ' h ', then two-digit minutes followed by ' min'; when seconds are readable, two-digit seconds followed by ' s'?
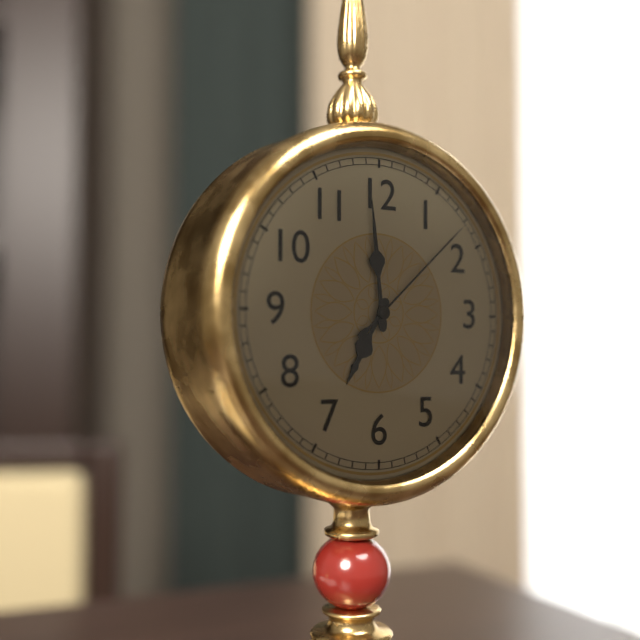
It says 6 h 59 min 08 s
